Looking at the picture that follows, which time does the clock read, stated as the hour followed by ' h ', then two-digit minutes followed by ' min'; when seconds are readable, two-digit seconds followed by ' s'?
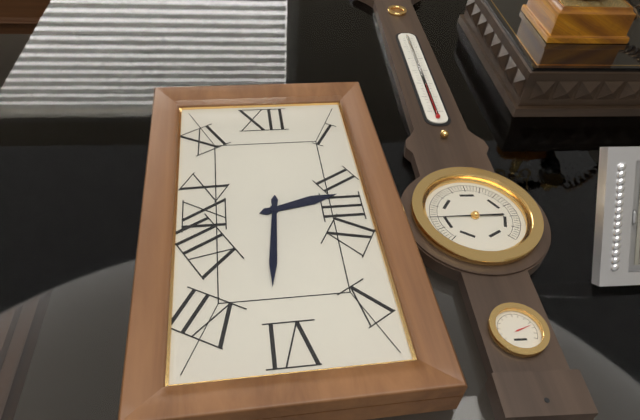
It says 2 h 31 min
